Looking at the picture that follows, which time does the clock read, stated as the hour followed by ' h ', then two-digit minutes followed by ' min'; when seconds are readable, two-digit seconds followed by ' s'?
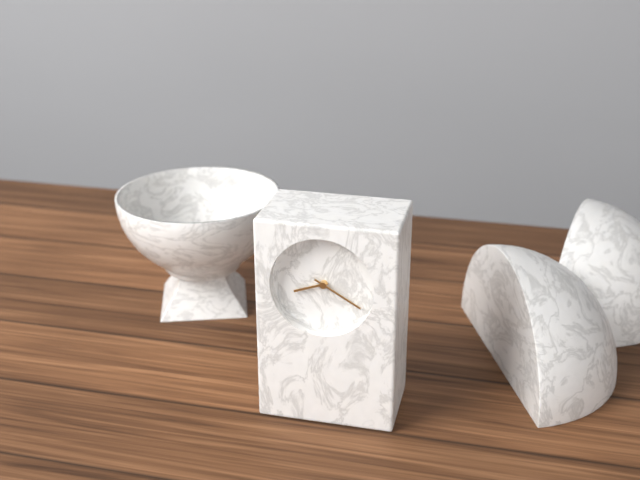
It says 8 h 20 min
